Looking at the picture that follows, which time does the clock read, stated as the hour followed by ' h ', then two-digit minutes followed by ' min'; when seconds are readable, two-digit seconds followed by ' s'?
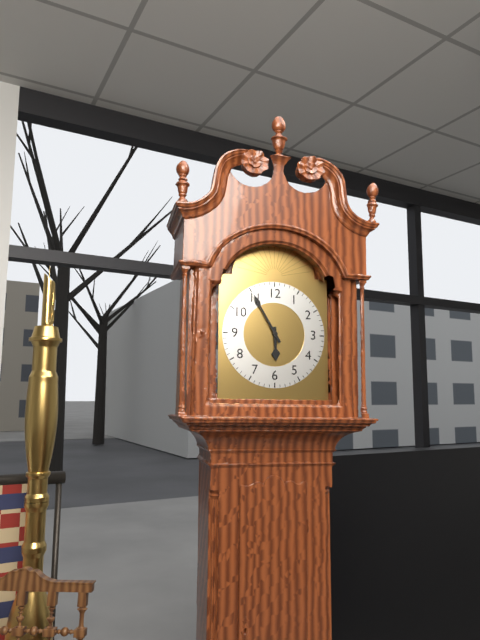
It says 5 h 55 min
